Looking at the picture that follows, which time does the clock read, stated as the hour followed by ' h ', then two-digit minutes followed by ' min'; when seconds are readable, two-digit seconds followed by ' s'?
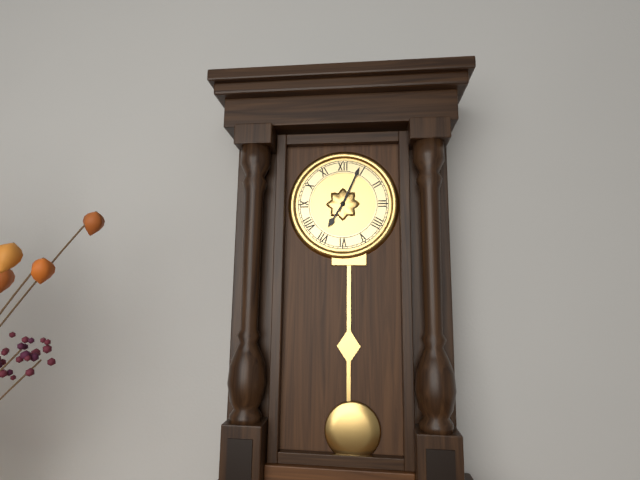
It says 7 h 04 min
